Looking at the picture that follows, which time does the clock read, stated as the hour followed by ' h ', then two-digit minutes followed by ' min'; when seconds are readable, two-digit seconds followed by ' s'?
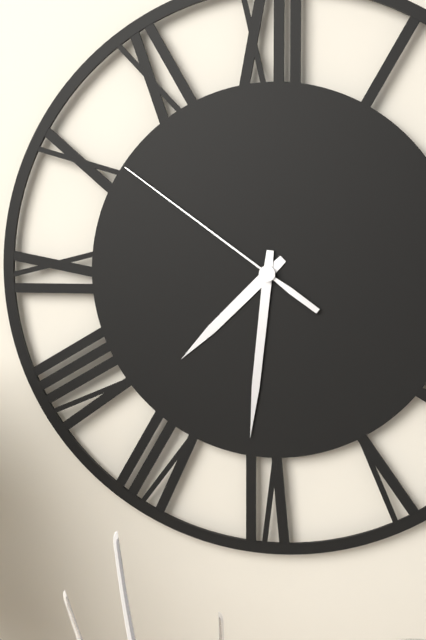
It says 7 h 31 min 51 s
